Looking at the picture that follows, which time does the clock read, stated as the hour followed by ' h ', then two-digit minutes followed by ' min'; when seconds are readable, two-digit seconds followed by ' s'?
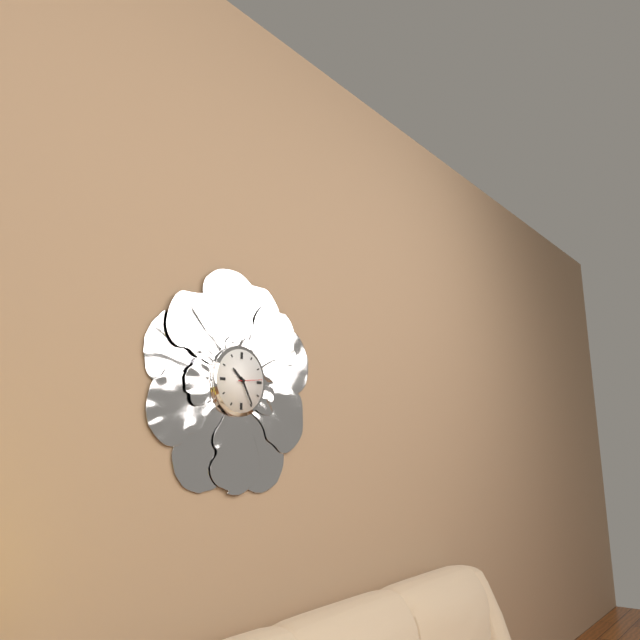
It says 10 h 25 min
